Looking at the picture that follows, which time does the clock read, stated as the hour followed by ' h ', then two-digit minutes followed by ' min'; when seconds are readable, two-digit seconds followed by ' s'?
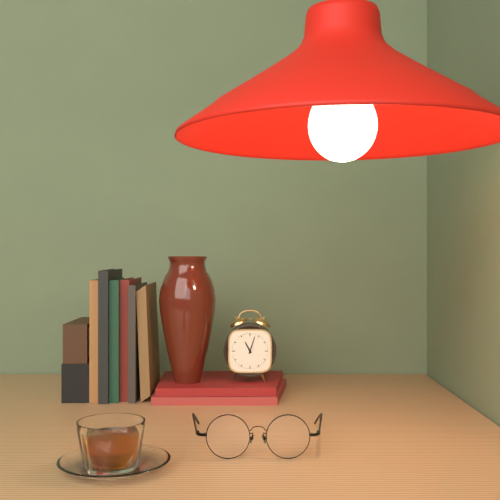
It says 11 h 03 min
